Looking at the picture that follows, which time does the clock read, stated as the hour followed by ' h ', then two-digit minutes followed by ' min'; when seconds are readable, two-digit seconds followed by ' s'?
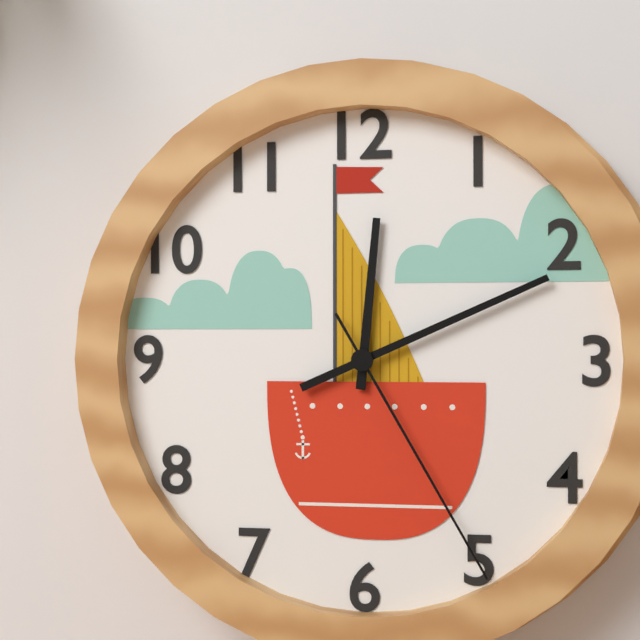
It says 12 h 11 min 25 s
